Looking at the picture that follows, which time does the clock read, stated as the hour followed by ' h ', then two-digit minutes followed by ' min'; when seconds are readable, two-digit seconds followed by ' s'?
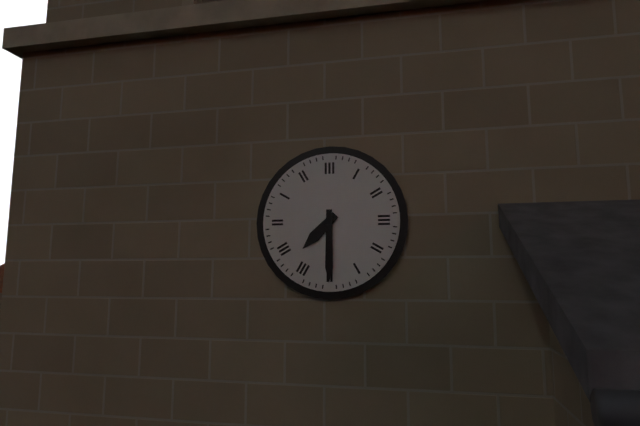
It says 7 h 30 min
